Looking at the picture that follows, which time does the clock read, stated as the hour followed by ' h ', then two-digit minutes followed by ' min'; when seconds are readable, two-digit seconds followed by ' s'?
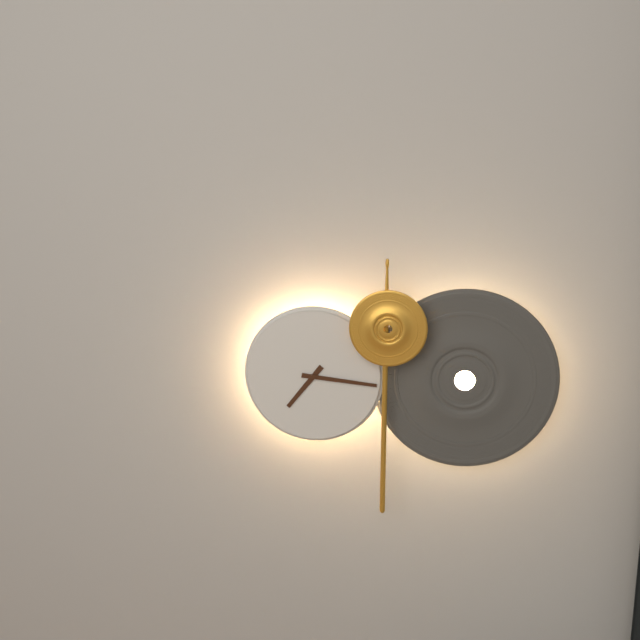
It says 7 h 16 min
